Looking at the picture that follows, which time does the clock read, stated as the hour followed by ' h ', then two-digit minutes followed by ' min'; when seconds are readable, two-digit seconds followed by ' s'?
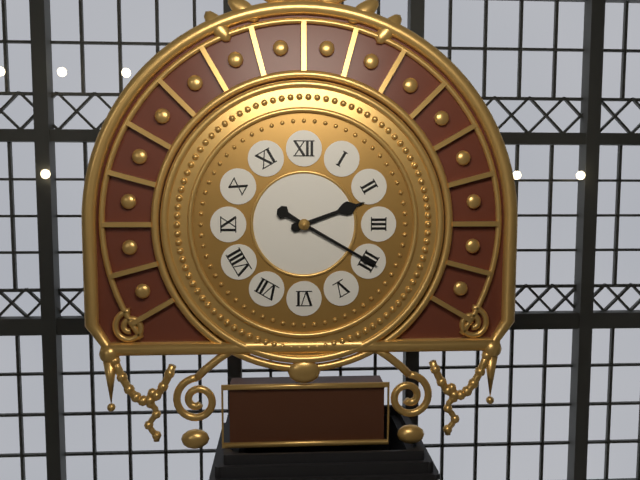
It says 2 h 20 min
